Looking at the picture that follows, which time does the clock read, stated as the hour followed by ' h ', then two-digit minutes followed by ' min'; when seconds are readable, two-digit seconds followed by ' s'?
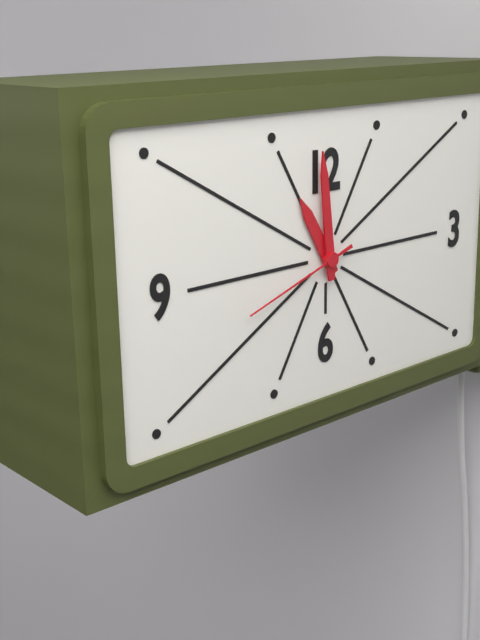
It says 10 h 59 min 42 s
